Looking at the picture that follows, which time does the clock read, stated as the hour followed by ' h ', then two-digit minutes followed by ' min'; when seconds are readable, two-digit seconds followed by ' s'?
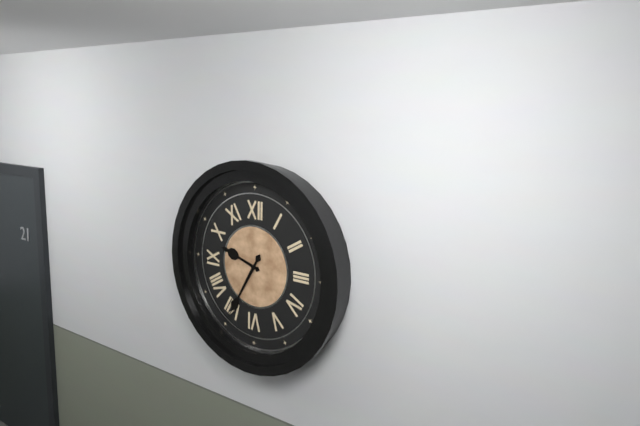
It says 9 h 35 min
